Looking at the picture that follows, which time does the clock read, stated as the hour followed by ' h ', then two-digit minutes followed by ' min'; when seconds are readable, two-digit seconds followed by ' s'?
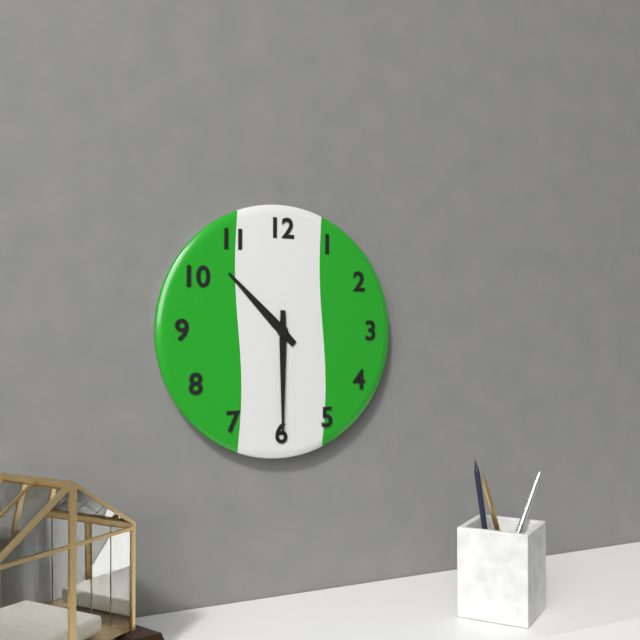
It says 10 h 30 min
